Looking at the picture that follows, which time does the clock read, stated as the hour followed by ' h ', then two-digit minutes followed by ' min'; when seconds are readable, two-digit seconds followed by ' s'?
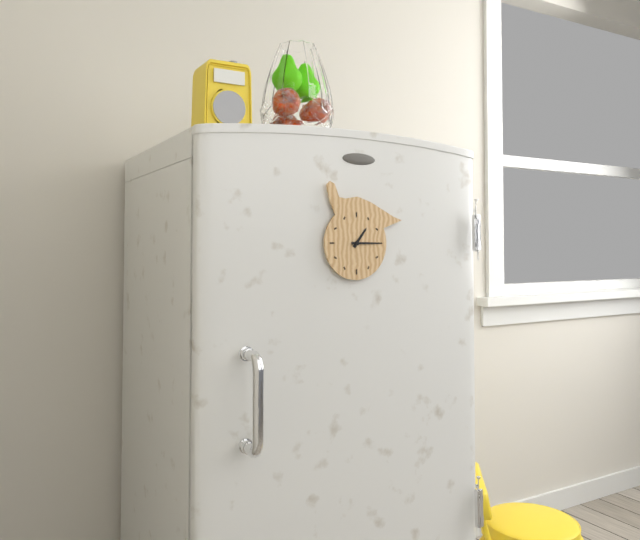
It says 1 h 15 min
